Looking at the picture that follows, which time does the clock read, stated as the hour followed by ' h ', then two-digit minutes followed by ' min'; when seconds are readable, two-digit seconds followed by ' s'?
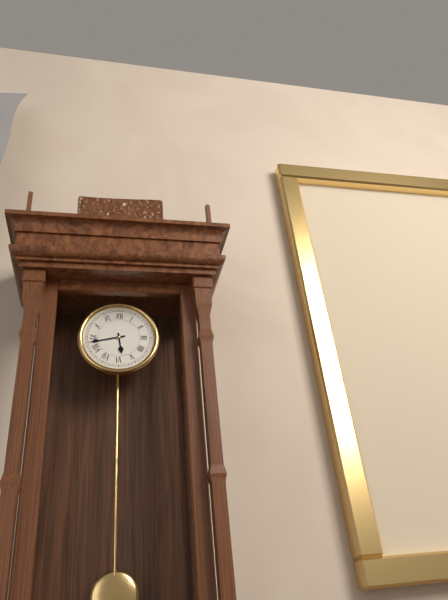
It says 5 h 43 min
